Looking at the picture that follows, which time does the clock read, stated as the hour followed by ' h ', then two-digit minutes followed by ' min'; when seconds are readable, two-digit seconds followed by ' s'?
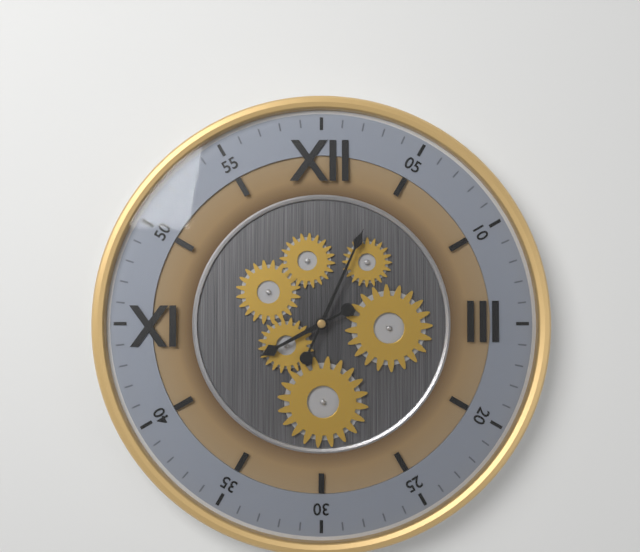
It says 8 h 04 min
